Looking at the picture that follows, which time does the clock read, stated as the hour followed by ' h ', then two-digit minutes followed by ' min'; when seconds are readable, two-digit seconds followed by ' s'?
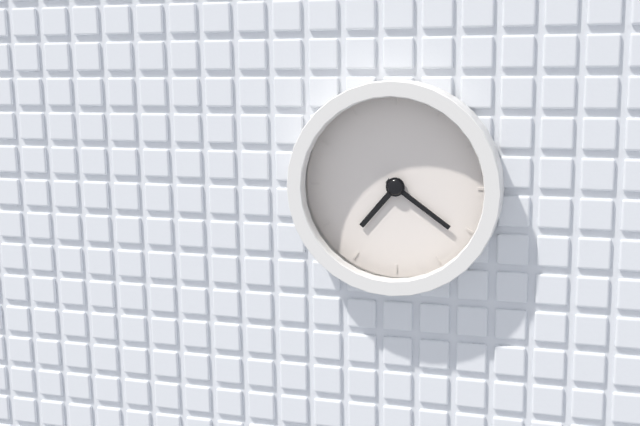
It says 7 h 21 min
